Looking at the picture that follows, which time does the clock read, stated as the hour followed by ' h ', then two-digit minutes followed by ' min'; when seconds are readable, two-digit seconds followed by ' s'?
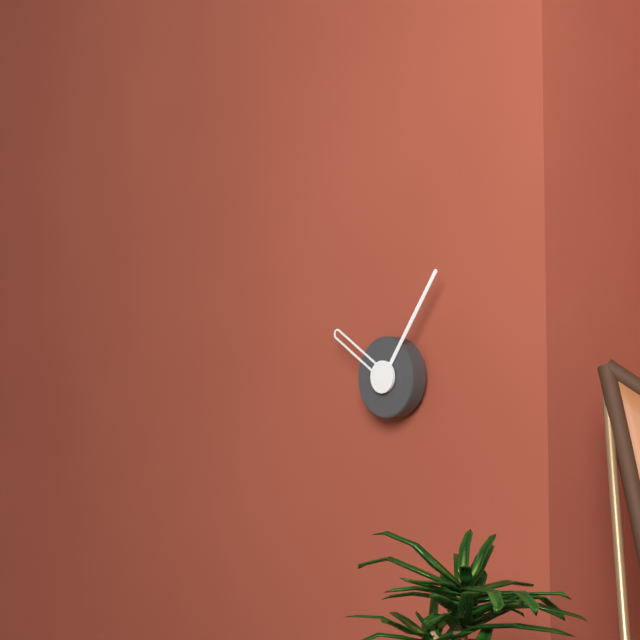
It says 10 h 06 min
